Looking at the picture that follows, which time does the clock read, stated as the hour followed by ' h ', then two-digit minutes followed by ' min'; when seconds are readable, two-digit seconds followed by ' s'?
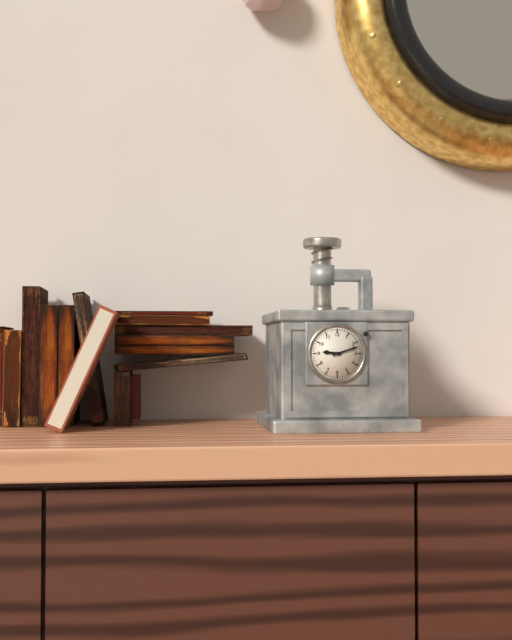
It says 9 h 12 min
